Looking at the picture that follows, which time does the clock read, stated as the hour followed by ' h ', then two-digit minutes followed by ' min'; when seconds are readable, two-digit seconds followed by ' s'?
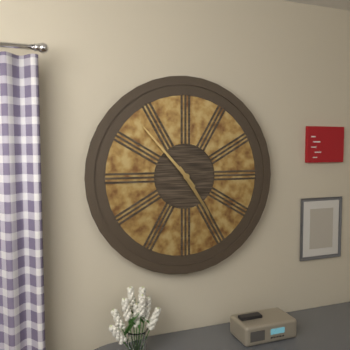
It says 4 h 53 min
